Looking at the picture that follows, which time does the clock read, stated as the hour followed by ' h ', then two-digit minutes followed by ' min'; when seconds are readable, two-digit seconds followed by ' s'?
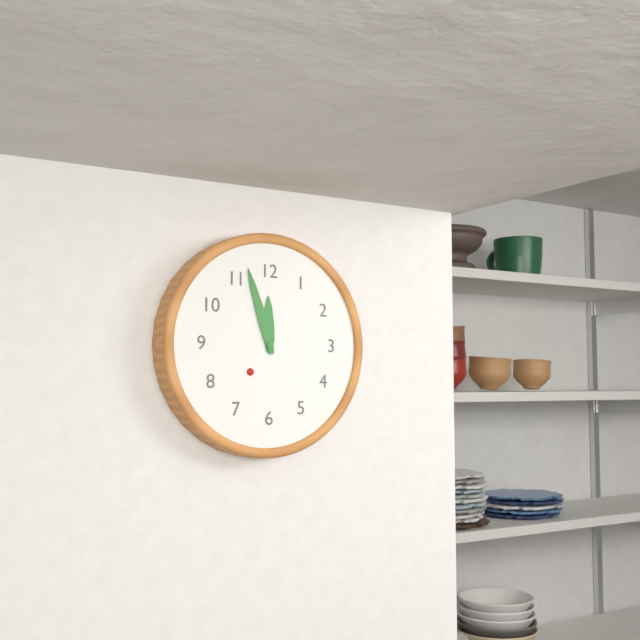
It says 11 h 57 min
